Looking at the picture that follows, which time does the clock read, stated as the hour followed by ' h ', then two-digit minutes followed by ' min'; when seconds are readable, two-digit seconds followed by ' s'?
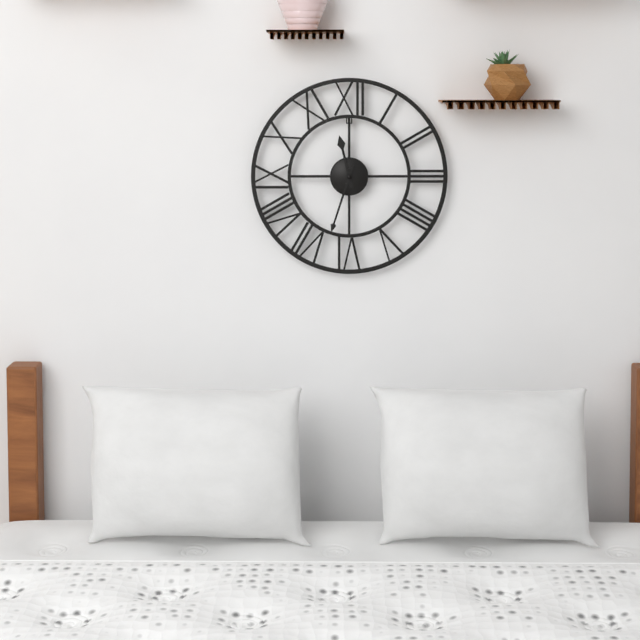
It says 11 h 33 min
